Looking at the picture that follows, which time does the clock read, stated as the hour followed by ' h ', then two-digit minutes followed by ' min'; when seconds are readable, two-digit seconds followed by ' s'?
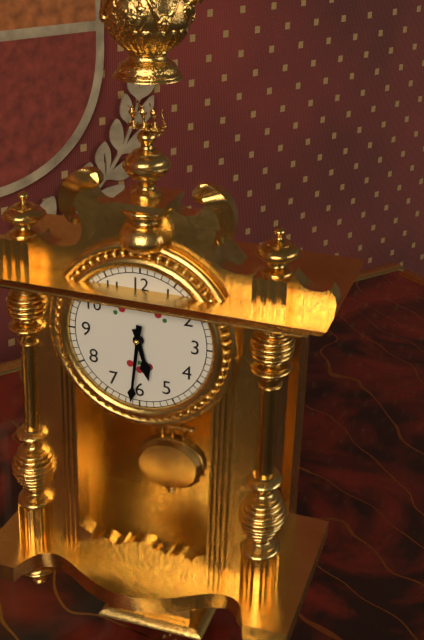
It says 5 h 31 min
